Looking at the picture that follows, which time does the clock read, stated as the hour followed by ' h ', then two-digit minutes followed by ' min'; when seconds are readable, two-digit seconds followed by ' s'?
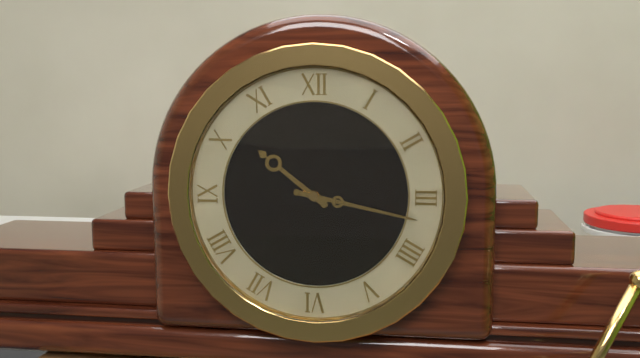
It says 10 h 17 min
